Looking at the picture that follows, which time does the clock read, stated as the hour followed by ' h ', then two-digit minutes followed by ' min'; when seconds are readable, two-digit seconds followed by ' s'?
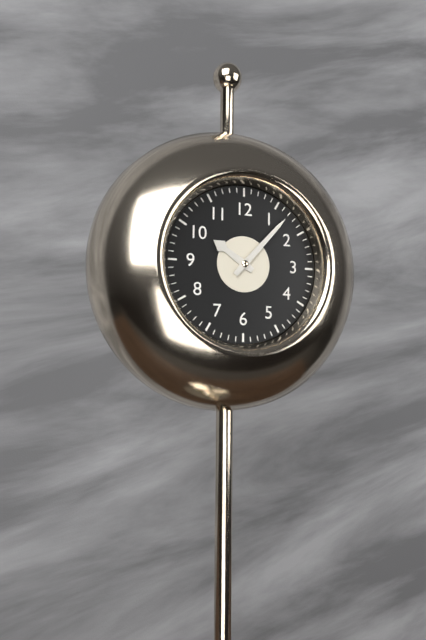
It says 10 h 07 min
